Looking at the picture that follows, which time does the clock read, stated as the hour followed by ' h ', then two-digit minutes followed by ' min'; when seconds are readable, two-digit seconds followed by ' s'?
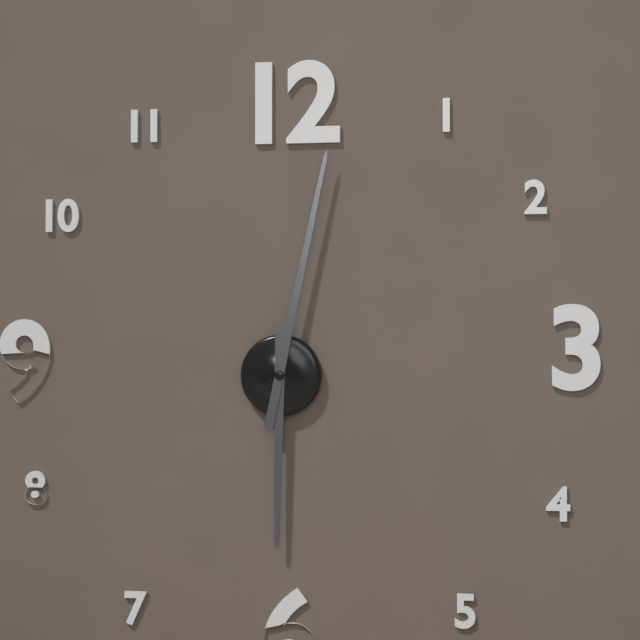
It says 6 h 02 min
